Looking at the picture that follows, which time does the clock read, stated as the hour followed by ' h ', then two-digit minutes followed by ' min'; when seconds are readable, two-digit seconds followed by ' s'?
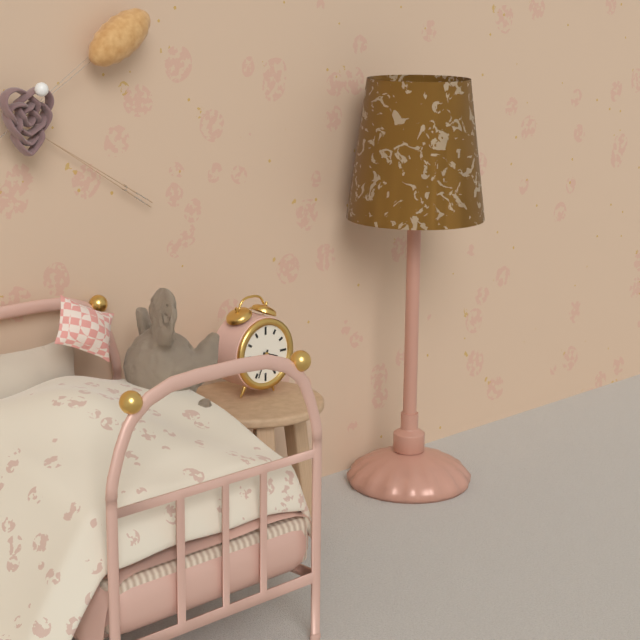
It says 3 h 34 min
